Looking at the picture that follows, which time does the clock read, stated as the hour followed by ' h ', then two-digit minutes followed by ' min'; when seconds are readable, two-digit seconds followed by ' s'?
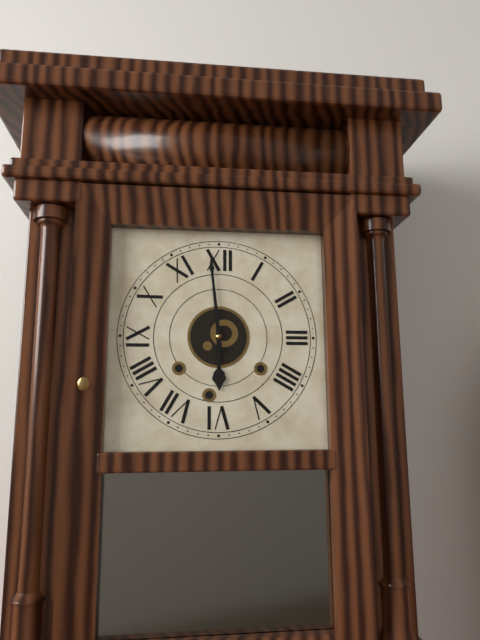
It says 5 h 59 min
